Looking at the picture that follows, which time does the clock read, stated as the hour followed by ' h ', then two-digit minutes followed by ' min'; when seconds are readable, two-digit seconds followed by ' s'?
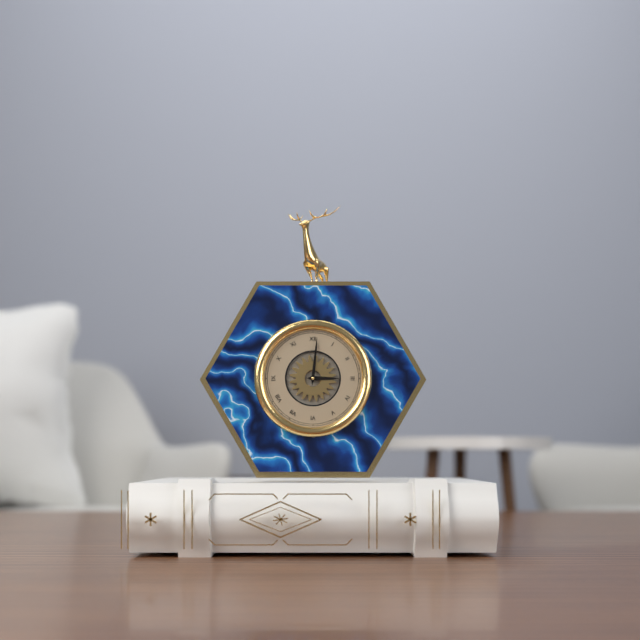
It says 3 h 01 min
